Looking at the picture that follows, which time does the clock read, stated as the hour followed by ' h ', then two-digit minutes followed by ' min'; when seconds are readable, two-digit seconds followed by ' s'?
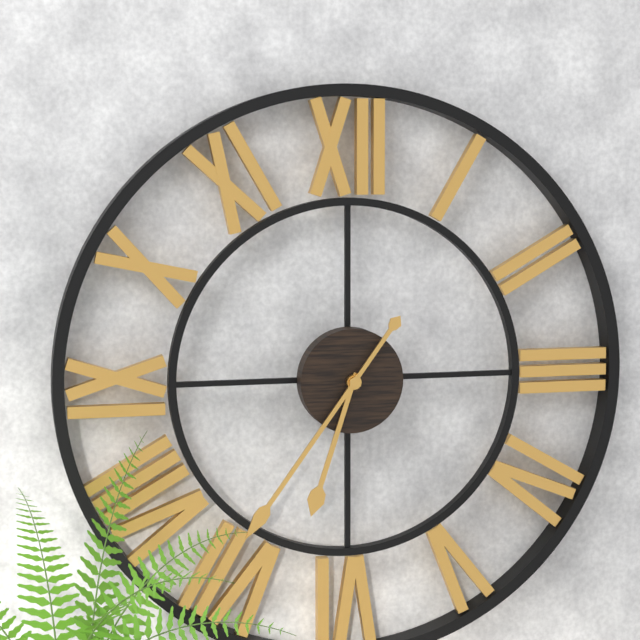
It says 6 h 36 min
